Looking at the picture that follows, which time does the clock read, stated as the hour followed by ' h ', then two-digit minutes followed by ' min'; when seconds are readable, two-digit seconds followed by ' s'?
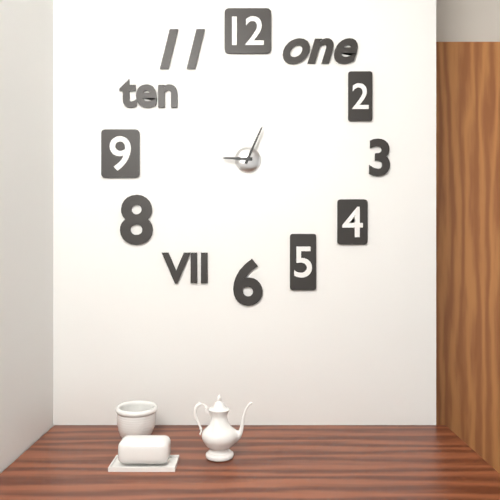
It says 9 h 04 min
